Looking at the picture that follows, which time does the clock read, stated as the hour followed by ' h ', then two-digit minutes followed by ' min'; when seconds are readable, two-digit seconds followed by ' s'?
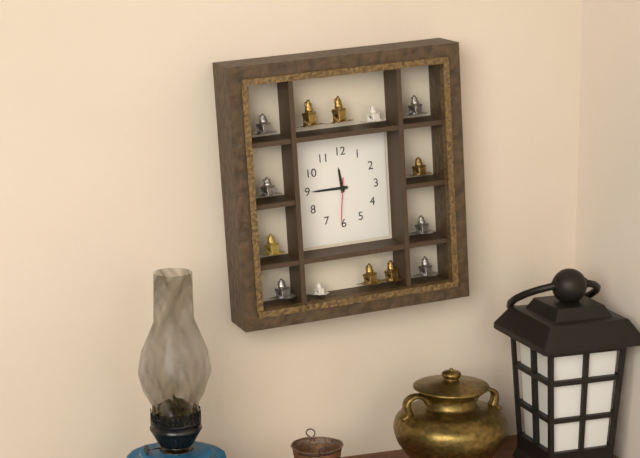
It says 11 h 45 min
